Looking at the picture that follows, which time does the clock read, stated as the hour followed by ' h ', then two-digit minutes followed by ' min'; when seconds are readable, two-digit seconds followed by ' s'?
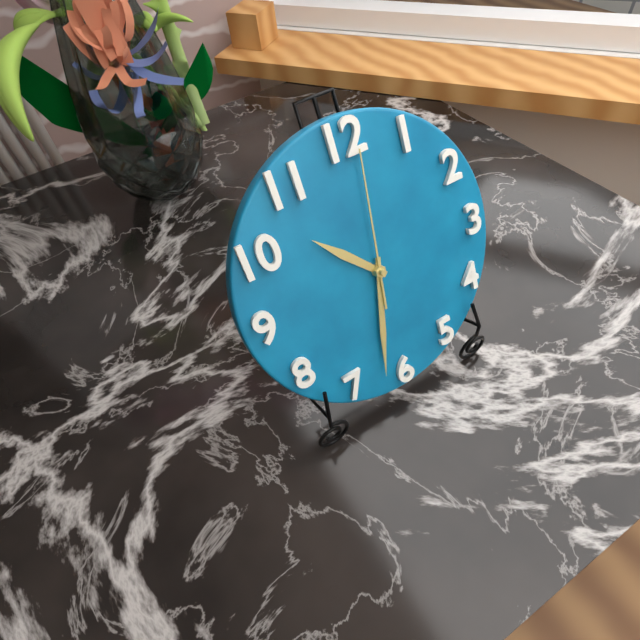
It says 10 h 32 min 01 s
